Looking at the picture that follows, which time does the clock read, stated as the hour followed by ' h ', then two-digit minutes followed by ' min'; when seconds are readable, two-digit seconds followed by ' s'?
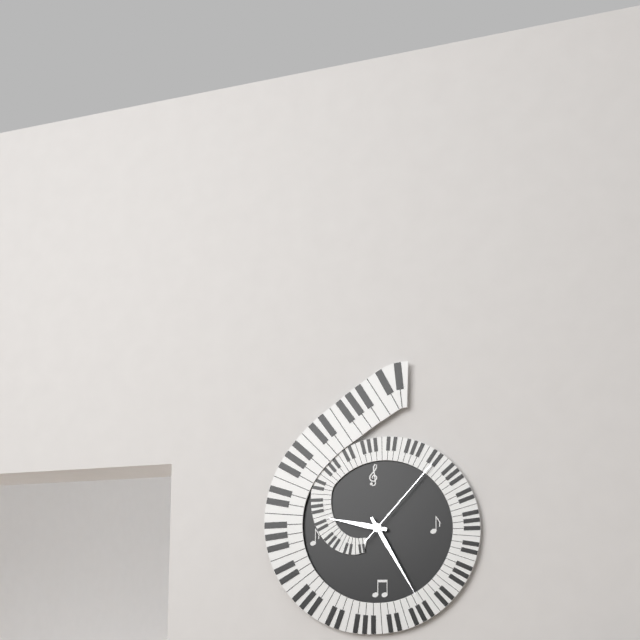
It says 9 h 25 min 07 s
